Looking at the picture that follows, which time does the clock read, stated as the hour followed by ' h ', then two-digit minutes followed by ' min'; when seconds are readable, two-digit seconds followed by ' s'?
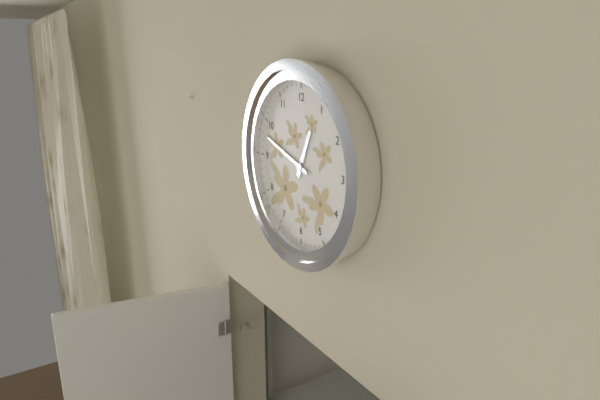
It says 12 h 48 min
